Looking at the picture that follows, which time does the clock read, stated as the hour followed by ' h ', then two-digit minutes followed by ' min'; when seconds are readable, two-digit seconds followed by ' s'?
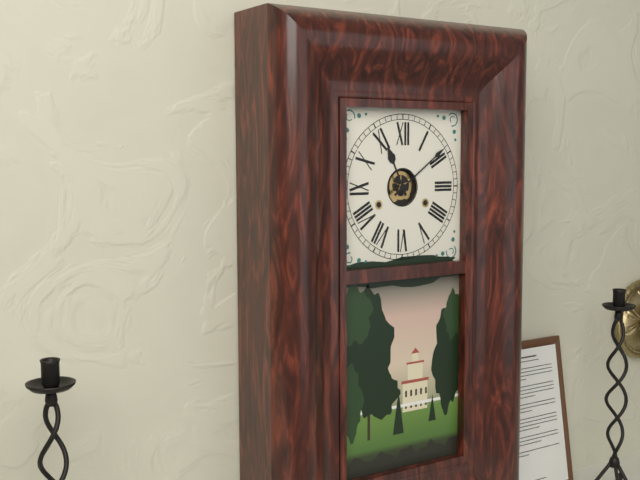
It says 11 h 09 min
